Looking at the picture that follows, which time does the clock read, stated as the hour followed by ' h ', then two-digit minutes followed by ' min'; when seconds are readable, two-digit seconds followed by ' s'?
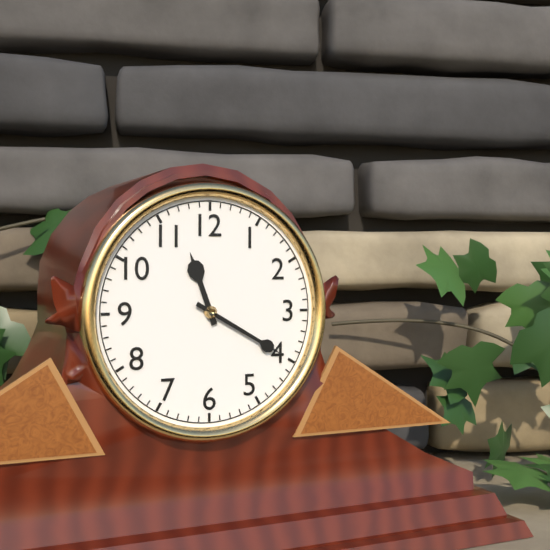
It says 11 h 20 min
